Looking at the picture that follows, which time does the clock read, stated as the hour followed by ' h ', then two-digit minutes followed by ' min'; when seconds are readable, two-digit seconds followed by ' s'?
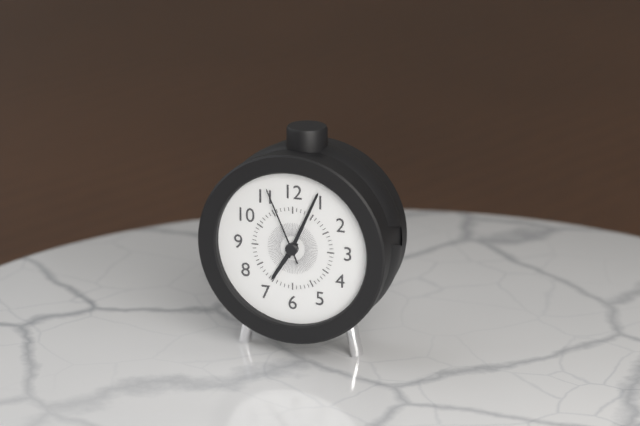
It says 7 h 04 min 56 s
